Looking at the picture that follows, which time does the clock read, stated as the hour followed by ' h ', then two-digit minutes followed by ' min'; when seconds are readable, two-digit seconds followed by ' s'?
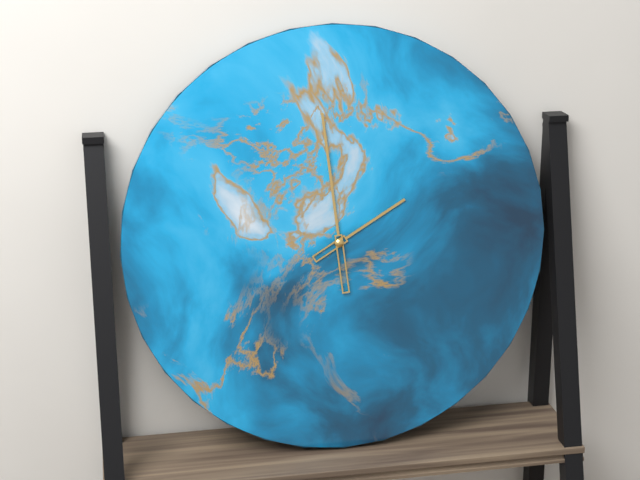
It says 1 h 59 min
